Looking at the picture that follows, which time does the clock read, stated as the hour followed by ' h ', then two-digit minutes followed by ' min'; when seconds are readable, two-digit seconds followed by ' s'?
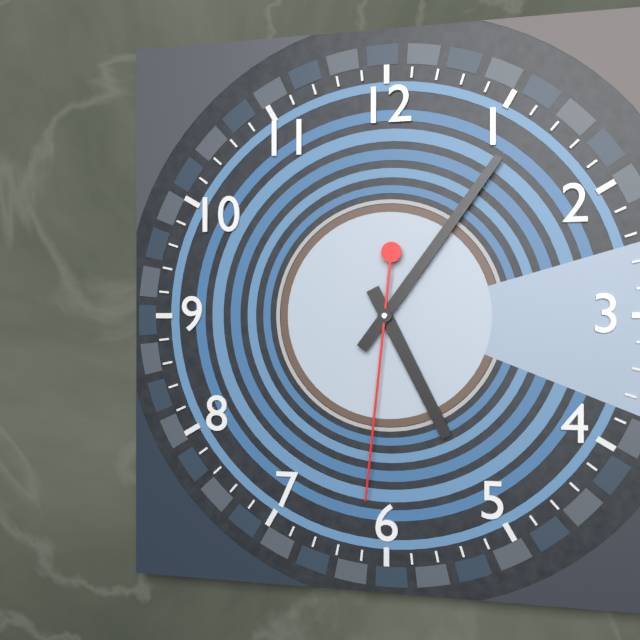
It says 5 h 06 min 31 s
